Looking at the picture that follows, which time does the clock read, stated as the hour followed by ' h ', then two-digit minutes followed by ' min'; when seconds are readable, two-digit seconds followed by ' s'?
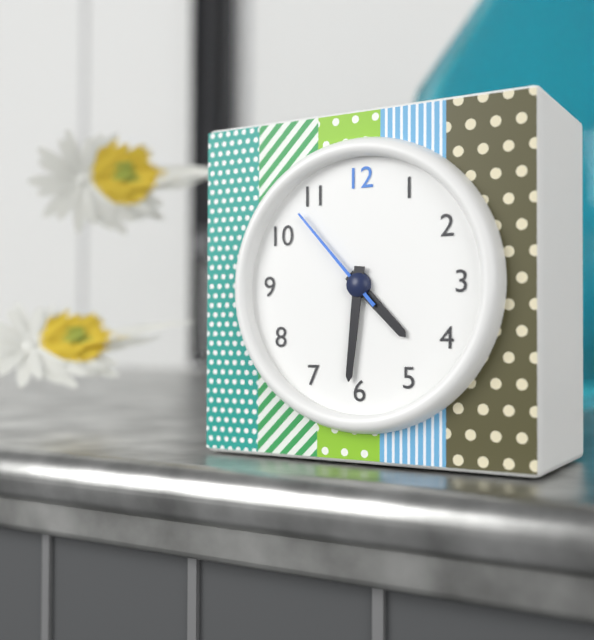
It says 4 h 31 min 53 s
